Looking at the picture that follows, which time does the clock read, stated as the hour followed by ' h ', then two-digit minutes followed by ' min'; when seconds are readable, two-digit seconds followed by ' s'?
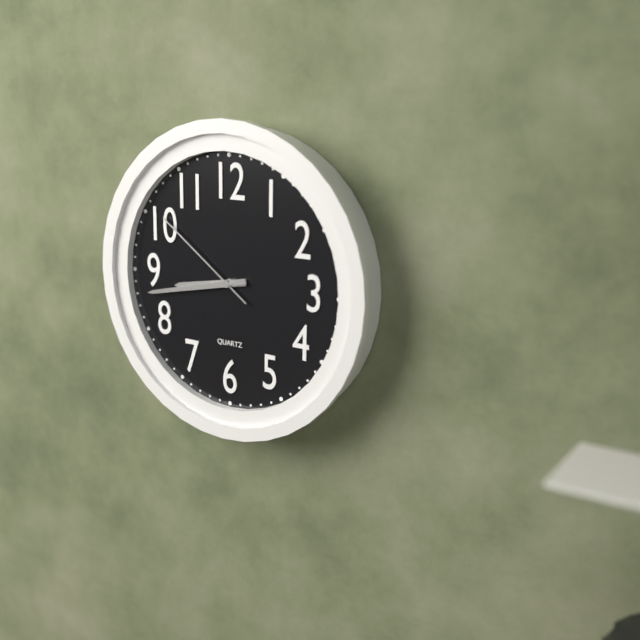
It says 8 h 43 min 51 s
